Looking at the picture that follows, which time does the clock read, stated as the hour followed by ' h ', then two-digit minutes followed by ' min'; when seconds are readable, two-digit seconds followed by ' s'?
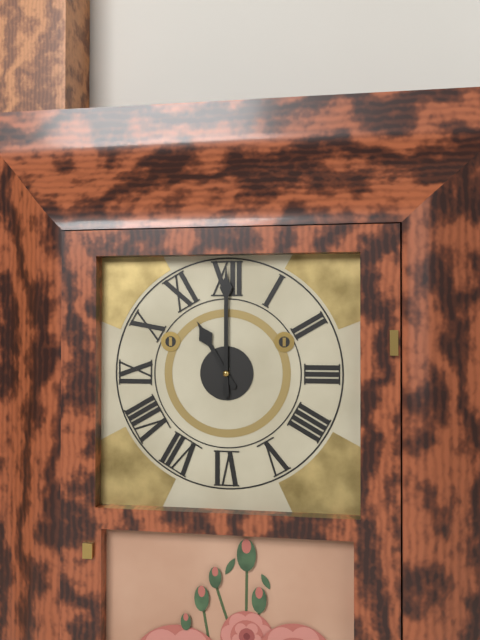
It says 11 h 00 min
